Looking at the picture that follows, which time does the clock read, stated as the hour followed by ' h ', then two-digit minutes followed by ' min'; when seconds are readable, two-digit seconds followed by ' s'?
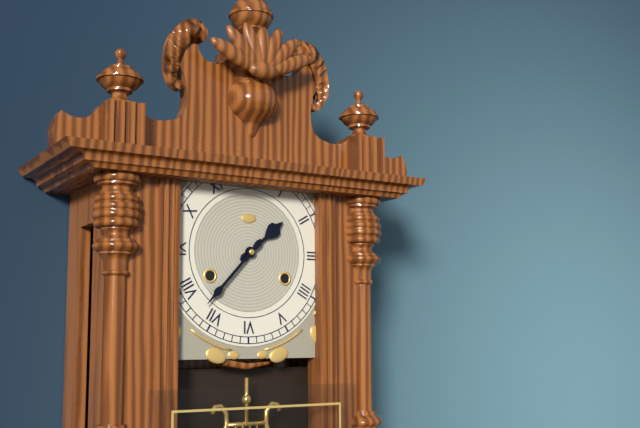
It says 1 h 37 min
